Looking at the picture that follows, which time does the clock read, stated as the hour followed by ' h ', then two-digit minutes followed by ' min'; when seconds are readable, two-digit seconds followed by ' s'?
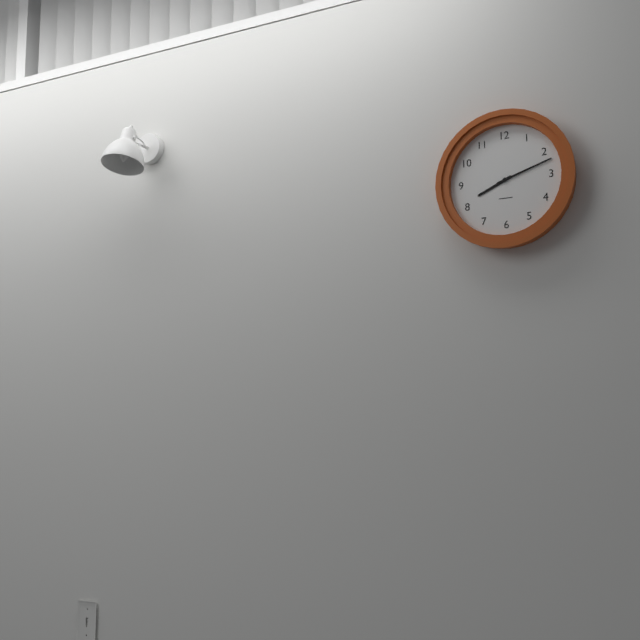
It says 8 h 12 min
